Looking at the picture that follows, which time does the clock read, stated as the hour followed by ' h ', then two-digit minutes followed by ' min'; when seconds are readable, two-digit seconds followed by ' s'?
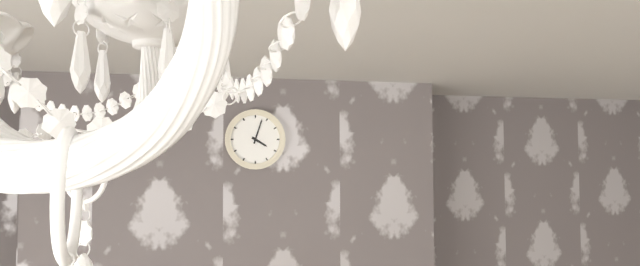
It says 4 h 03 min
